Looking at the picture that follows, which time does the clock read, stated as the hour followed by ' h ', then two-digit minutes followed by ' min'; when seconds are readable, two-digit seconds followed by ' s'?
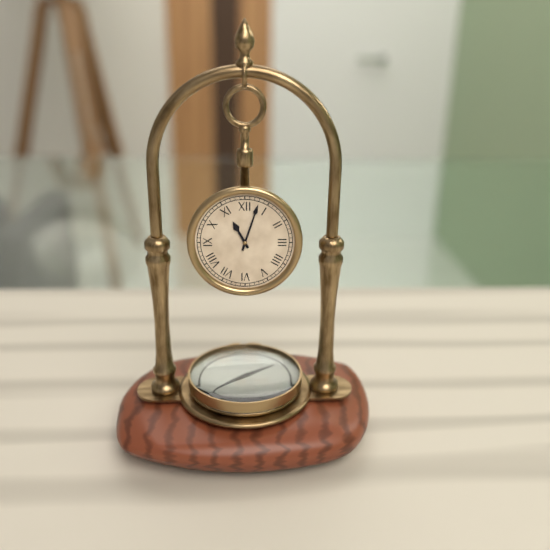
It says 11 h 03 min
